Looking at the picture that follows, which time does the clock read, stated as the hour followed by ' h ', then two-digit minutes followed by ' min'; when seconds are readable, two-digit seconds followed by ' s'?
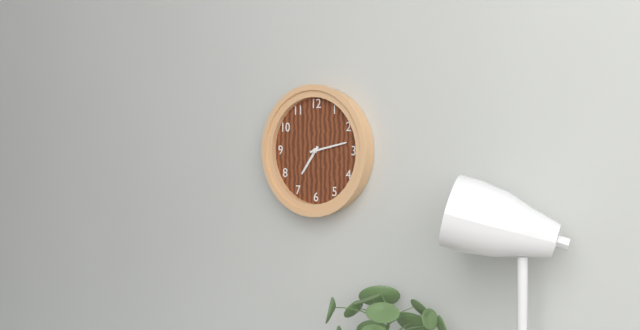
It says 7 h 13 min
